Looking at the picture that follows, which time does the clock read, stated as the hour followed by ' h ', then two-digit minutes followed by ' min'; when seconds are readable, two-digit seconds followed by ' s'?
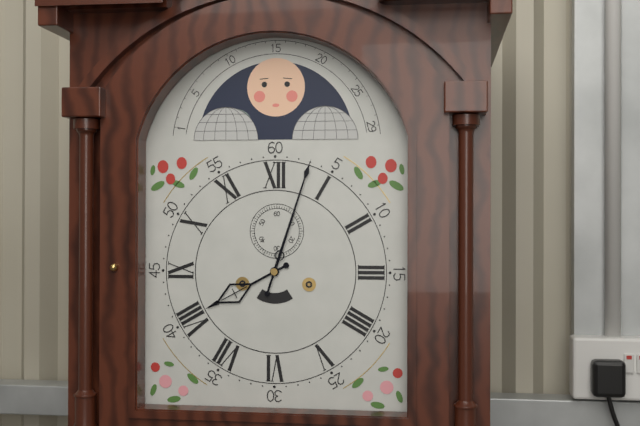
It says 8 h 03 min
